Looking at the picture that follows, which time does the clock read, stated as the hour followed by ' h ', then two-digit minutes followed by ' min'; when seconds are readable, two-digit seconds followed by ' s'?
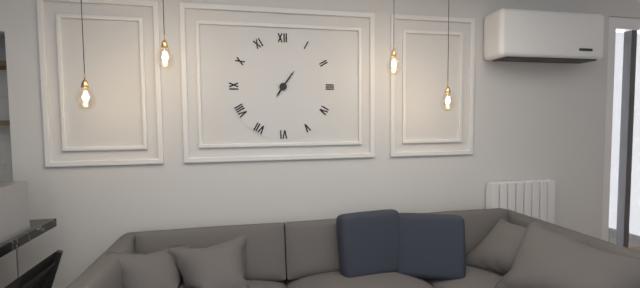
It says 7 h 06 min
